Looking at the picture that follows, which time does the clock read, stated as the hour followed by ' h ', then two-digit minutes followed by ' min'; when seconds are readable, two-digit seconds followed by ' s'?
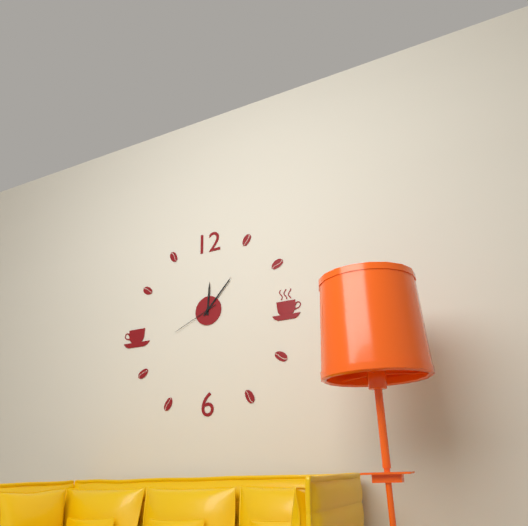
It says 12 h 07 min
